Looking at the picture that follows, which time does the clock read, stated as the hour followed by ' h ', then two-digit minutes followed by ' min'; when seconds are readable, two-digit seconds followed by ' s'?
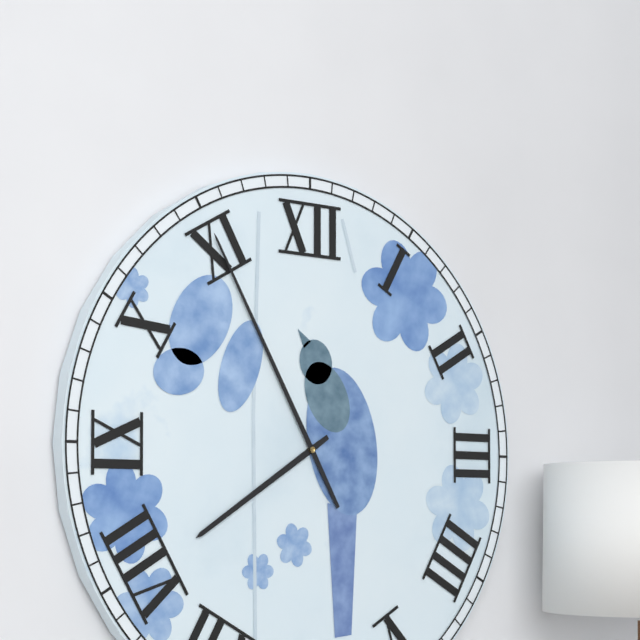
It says 7 h 55 min
